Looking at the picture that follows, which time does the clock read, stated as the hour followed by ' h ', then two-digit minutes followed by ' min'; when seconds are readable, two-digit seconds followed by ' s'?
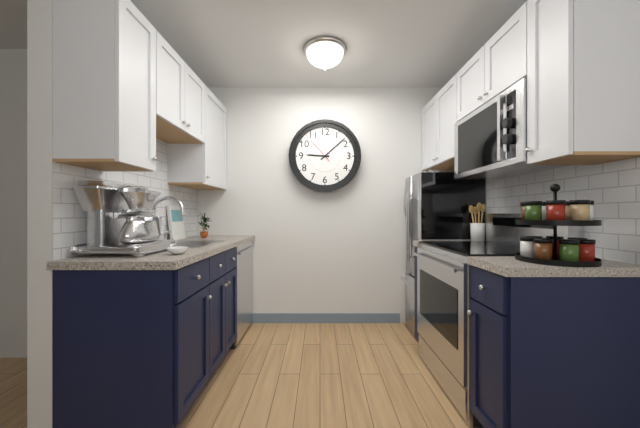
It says 9 h 08 min
